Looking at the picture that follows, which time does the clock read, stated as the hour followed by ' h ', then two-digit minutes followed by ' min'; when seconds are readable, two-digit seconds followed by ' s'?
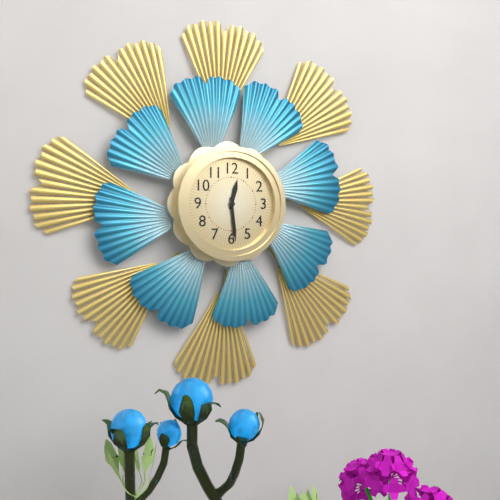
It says 12 h 29 min
